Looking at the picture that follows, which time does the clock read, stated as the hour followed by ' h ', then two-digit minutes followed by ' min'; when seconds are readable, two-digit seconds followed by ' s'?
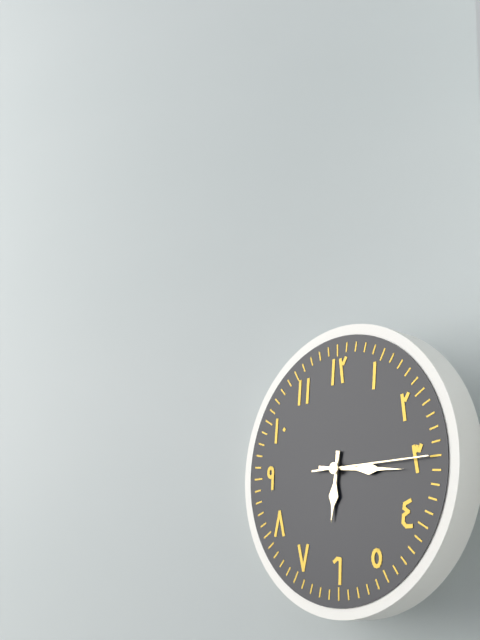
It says 6 h 16 min 15 s
